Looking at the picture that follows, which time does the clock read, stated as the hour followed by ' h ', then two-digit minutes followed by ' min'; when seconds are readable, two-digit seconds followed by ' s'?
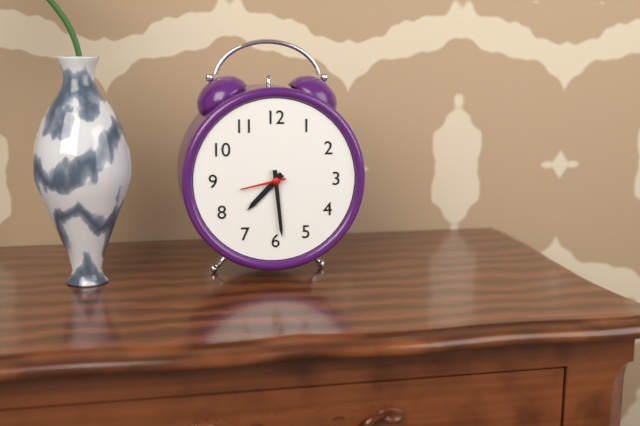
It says 7 h 29 min
